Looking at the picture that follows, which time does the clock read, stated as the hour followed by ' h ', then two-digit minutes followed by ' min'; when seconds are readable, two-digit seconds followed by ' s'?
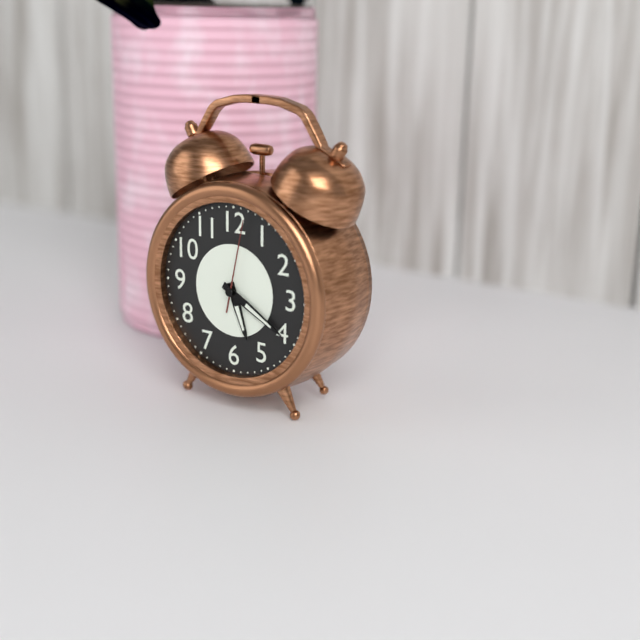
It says 5 h 20 min 02 s
